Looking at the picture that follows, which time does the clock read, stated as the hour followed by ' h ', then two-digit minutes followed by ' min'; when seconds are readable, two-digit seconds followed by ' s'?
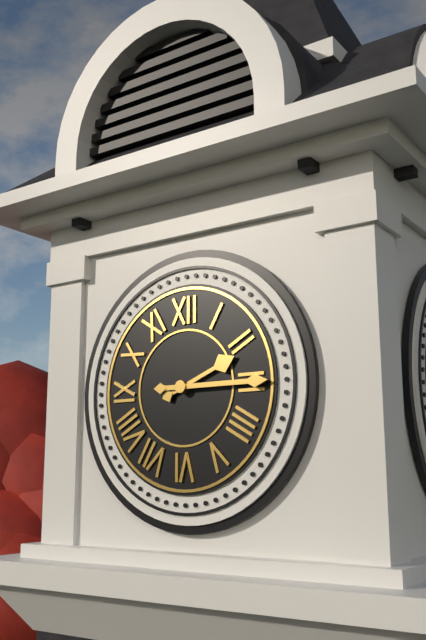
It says 2 h 15 min
